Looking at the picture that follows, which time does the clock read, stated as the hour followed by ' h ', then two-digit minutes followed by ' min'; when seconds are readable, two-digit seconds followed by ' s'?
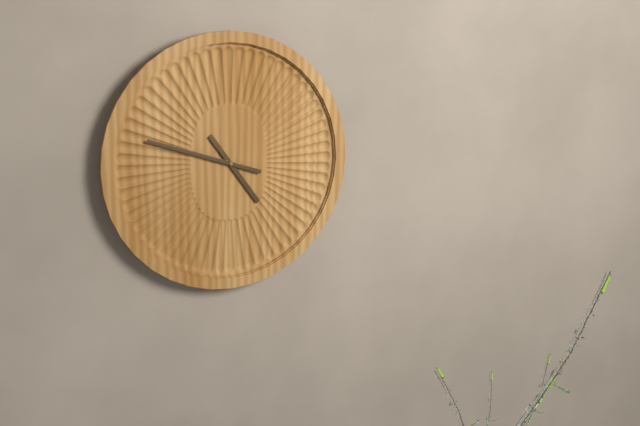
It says 4 h 48 min
